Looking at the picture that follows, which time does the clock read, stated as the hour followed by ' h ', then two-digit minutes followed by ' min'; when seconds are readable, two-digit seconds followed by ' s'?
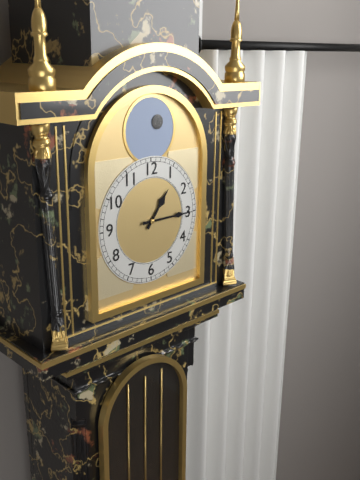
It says 1 h 15 min
